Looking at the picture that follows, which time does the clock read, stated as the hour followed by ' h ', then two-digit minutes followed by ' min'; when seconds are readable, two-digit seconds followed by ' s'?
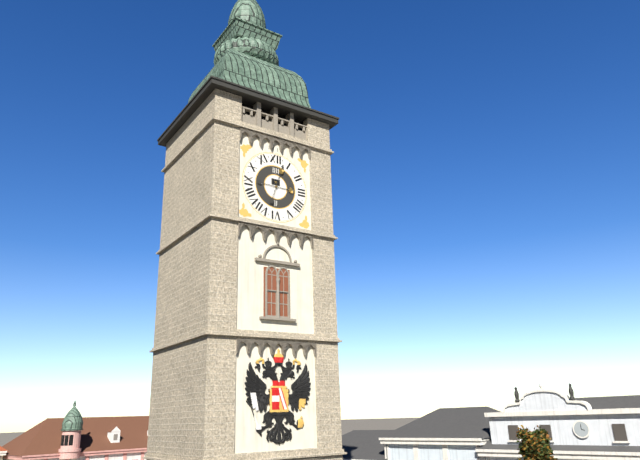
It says 3 h 03 min
